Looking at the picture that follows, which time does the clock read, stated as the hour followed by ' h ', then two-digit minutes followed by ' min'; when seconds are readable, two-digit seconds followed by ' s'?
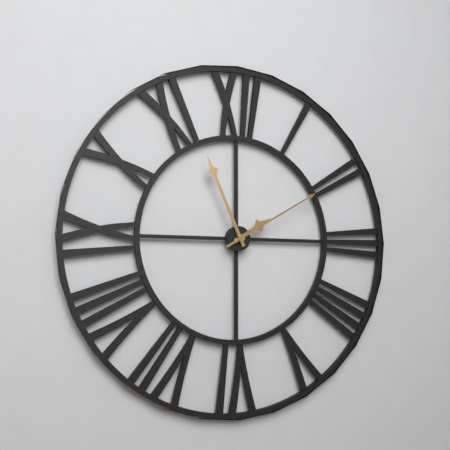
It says 1 h 56 min 10 s
